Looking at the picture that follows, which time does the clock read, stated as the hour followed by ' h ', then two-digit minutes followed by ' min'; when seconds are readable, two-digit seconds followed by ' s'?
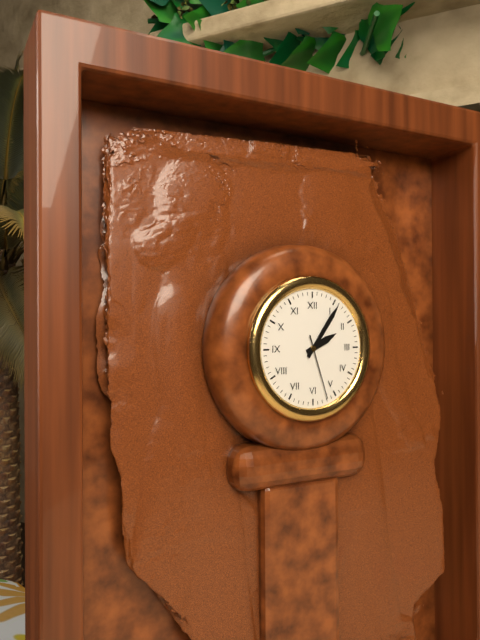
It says 2 h 06 min 27 s
